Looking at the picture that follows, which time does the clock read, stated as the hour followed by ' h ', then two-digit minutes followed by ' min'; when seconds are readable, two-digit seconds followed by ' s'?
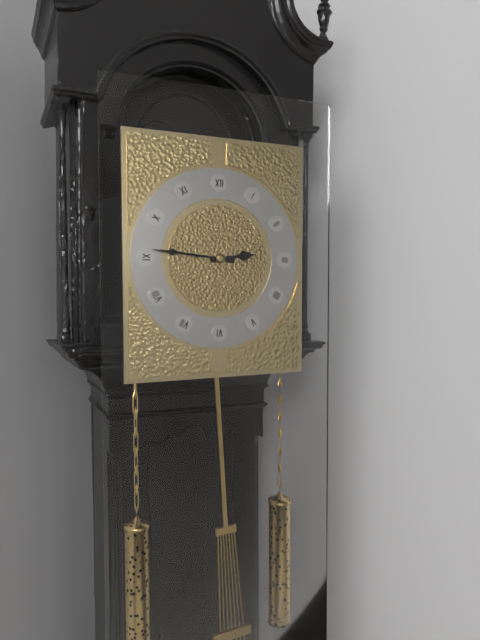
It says 2 h 46 min
